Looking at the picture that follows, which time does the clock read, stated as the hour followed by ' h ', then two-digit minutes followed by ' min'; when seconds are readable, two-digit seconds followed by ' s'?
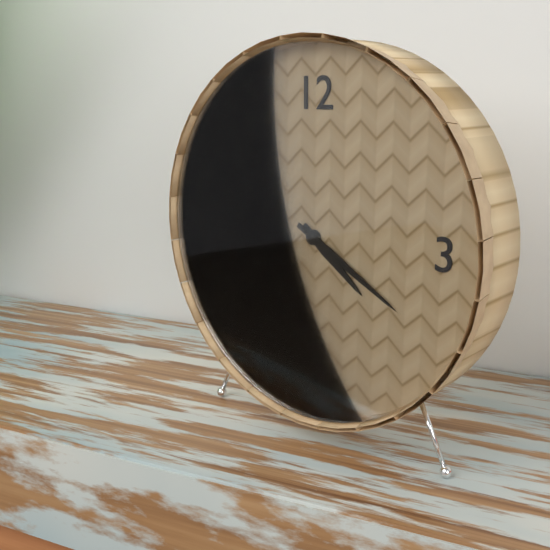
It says 4 h 20 min
